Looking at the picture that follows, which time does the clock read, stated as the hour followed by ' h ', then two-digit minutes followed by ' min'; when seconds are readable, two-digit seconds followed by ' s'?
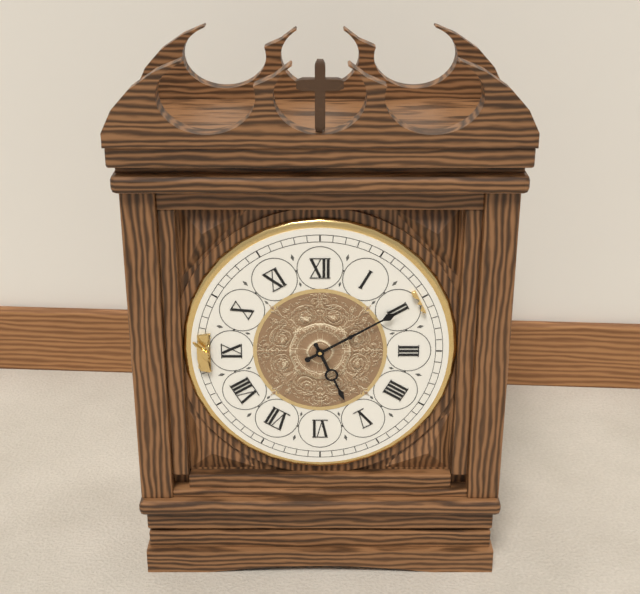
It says 5 h 10 min
